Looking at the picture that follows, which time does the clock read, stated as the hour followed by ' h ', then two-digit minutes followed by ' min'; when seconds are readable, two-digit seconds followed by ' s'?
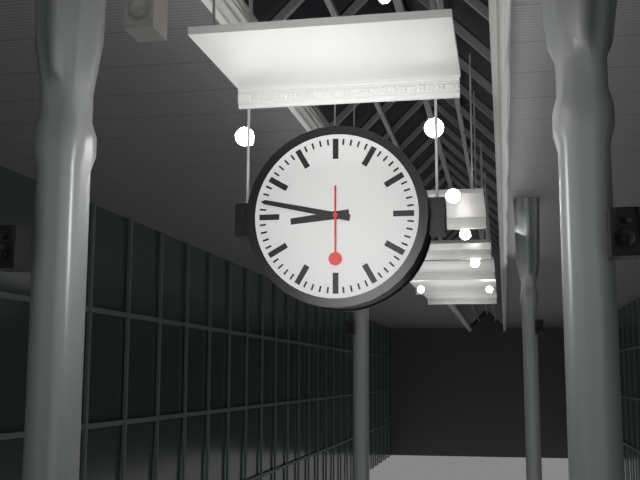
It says 8 h 47 min 30 s
